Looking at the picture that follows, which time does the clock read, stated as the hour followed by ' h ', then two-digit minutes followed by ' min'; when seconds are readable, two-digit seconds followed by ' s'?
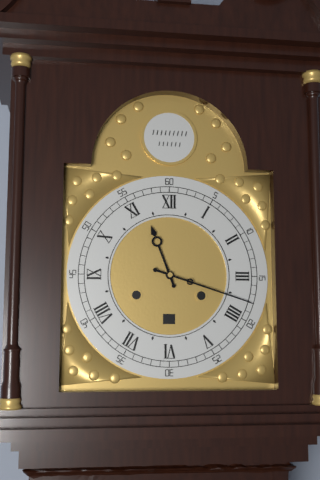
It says 11 h 18 min
